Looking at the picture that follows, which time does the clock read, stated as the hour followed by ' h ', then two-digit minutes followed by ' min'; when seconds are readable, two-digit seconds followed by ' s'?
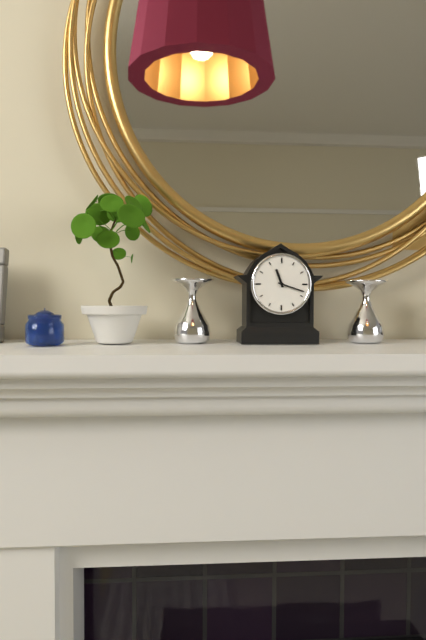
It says 11 h 18 min
